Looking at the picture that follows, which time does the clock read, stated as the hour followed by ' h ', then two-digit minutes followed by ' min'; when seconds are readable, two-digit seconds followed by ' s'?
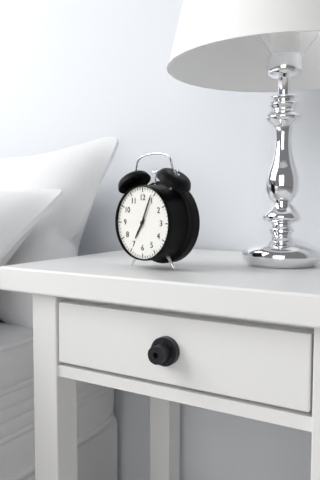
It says 7 h 04 min
